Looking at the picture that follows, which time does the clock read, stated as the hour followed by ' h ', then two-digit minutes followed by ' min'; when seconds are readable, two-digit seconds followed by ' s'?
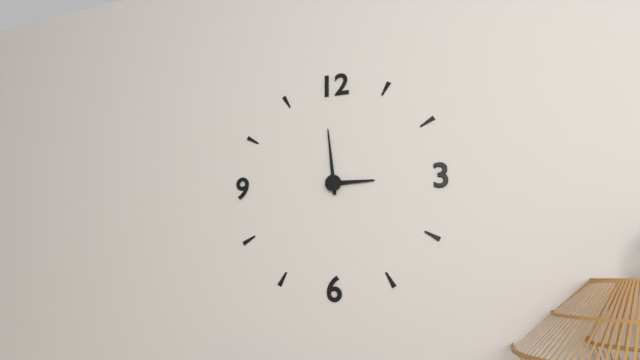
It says 2 h 59 min
